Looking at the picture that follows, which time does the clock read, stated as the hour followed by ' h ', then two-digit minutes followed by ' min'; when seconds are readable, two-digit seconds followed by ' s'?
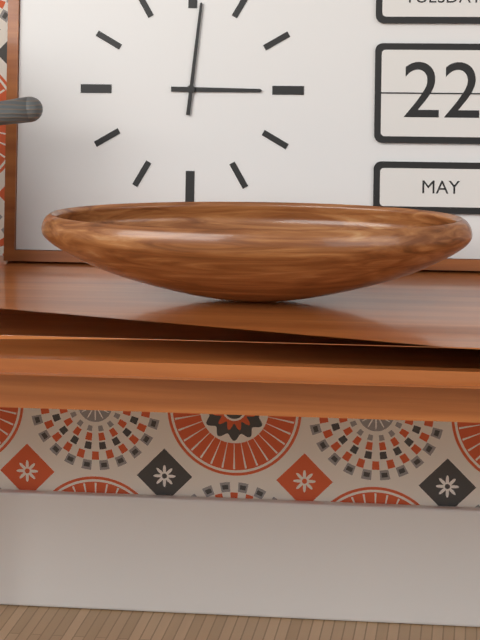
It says 3 h 01 min
